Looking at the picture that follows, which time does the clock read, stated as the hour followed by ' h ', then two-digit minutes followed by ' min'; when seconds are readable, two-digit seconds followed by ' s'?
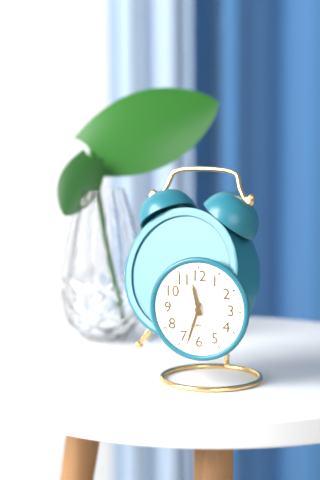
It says 11 h 33 min
